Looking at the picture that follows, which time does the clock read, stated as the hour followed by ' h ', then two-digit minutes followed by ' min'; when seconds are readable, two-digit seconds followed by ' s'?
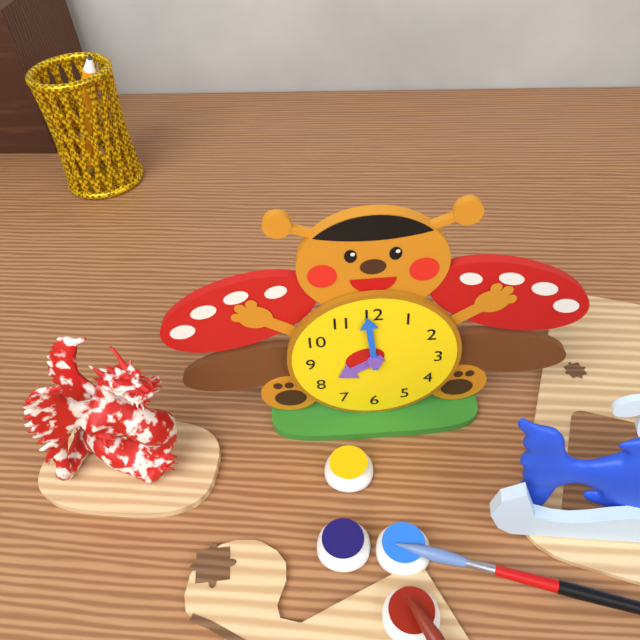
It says 7 h 59 min
